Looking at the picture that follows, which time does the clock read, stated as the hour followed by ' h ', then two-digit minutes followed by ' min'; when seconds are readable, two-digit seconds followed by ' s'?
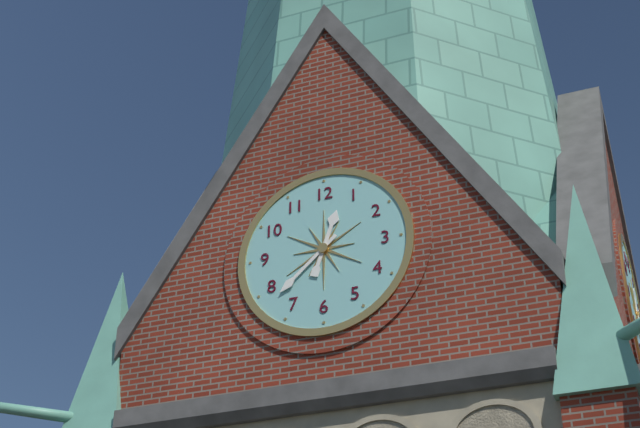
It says 12 h 38 min
